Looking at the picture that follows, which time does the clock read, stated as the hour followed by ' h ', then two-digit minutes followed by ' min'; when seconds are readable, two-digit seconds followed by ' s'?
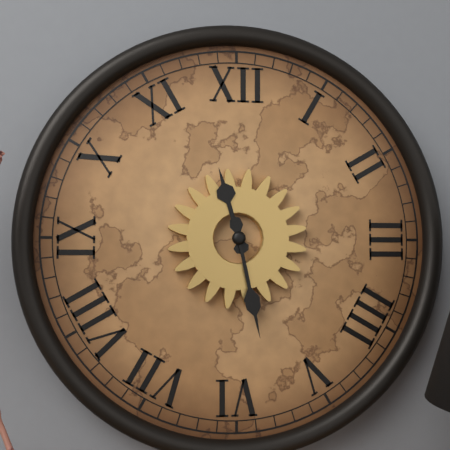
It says 11 h 28 min
